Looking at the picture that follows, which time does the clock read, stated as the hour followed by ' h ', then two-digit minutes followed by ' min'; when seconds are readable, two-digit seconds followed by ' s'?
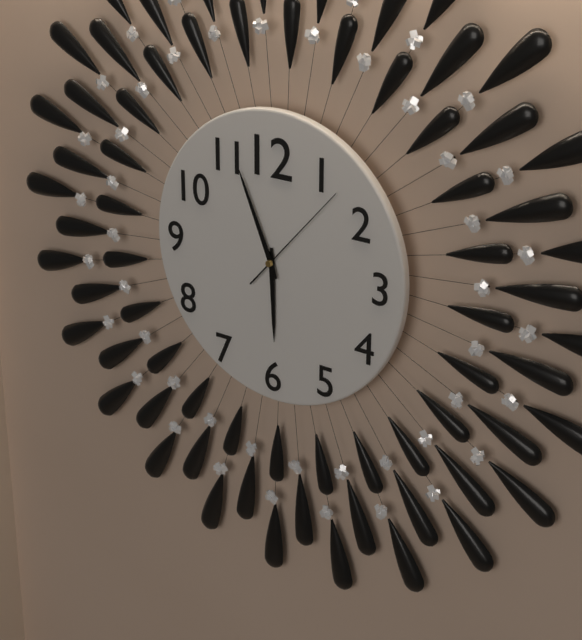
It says 5 h 56 min 07 s
